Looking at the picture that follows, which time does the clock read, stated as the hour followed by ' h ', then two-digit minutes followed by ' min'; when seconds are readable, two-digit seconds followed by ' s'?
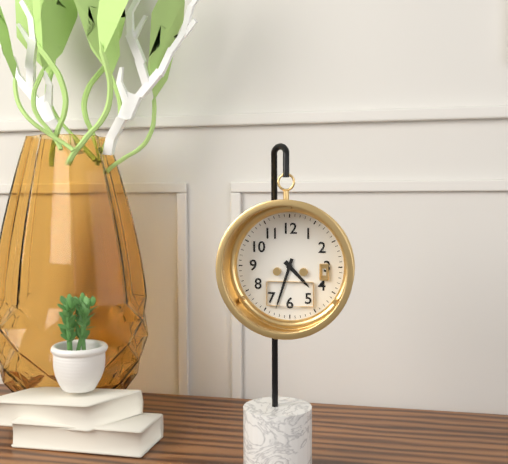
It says 4 h 33 min
